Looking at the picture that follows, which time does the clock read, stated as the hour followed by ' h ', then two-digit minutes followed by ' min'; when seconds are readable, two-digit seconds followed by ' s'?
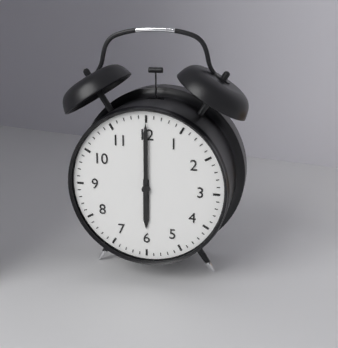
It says 6 h 00 min
